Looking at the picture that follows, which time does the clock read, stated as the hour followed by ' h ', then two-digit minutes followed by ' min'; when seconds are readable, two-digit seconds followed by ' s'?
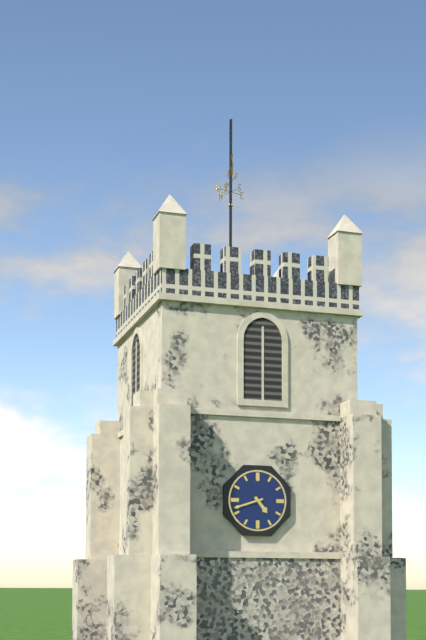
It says 4 h 42 min
